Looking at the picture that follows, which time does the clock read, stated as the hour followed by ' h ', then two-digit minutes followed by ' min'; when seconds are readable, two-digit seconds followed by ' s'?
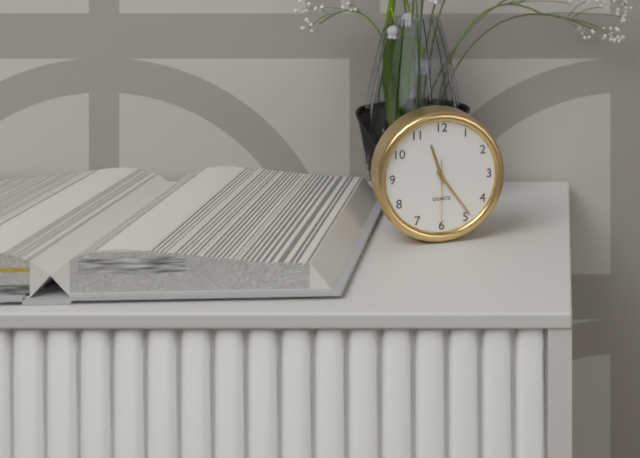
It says 11 h 24 min 30 s
